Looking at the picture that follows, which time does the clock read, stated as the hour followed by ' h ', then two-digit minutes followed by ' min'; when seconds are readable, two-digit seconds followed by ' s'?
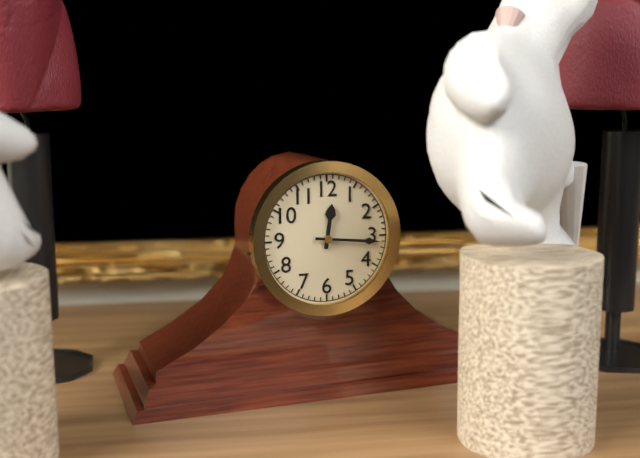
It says 12 h 16 min
